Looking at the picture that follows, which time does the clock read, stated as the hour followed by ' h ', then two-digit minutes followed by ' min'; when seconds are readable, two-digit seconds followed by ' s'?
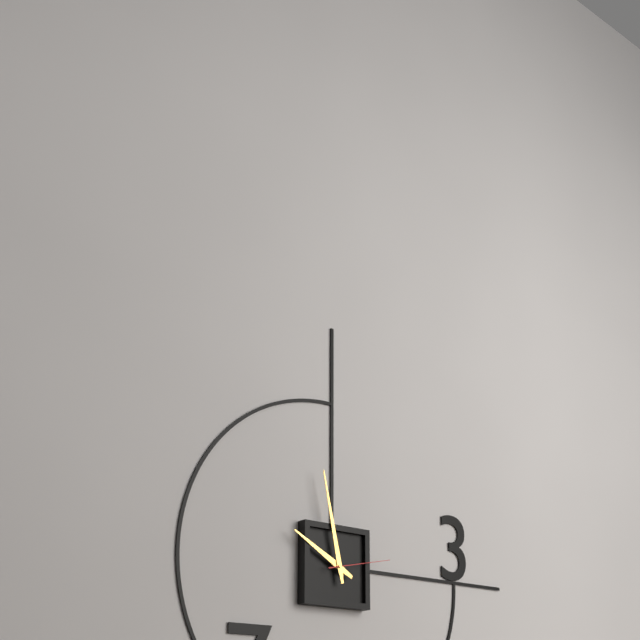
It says 9 h 58 min 13 s
